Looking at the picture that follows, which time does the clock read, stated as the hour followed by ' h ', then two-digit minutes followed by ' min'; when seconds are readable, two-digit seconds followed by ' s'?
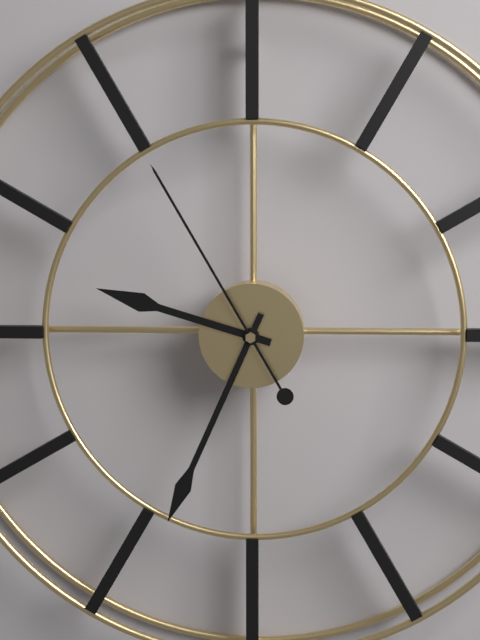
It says 9 h 34 min 55 s
